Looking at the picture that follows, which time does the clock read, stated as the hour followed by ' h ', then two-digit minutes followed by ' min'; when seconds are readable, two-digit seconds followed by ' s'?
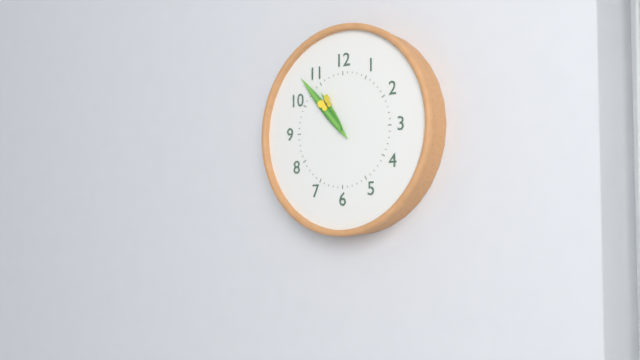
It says 10 h 53 min
